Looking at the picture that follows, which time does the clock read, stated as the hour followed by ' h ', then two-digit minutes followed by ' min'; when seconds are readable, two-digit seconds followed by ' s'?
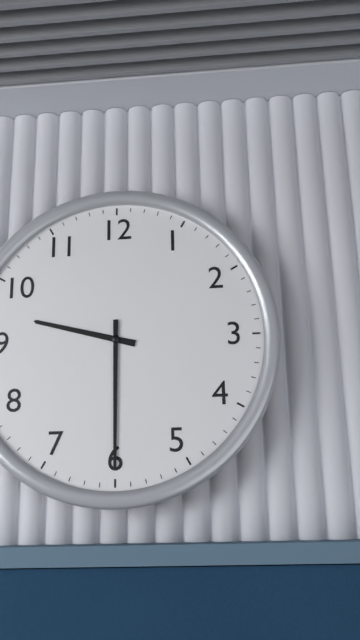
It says 9 h 30 min
